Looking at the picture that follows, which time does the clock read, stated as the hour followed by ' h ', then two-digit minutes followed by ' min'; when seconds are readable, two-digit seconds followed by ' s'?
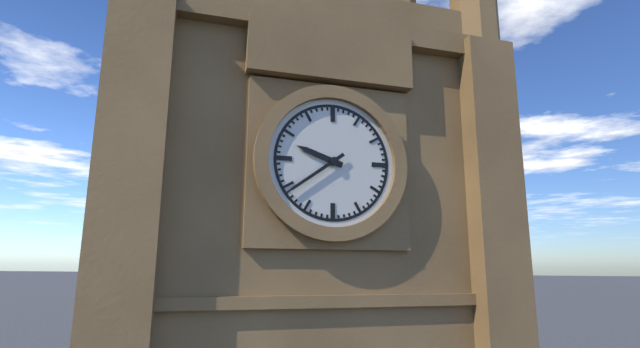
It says 9 h 39 min
